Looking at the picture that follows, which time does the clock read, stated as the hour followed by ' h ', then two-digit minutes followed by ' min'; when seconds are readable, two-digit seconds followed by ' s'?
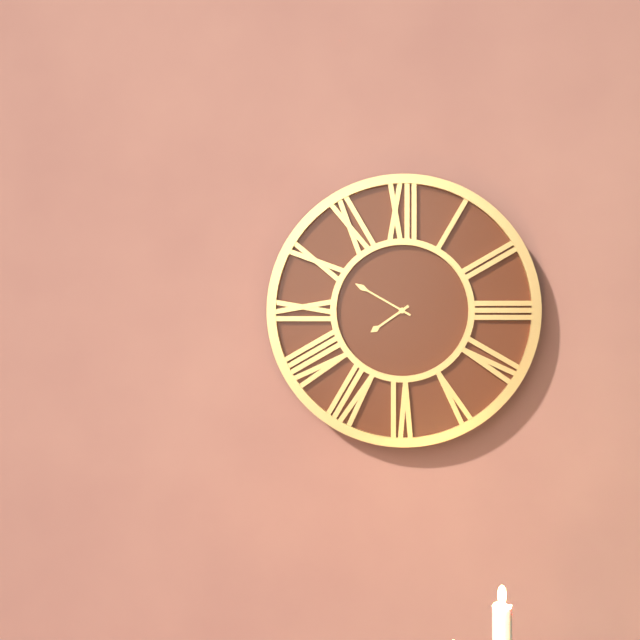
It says 7 h 50 min
